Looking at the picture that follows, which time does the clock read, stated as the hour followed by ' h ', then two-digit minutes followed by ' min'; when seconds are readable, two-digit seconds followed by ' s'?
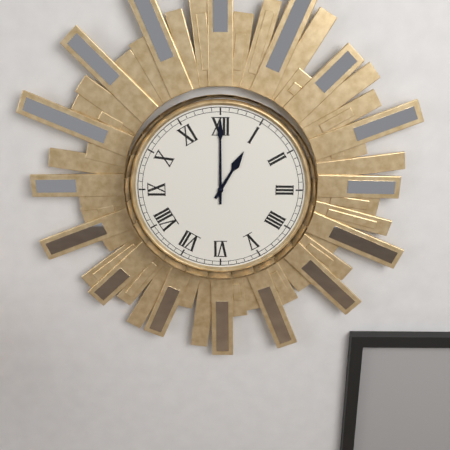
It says 1 h 00 min
